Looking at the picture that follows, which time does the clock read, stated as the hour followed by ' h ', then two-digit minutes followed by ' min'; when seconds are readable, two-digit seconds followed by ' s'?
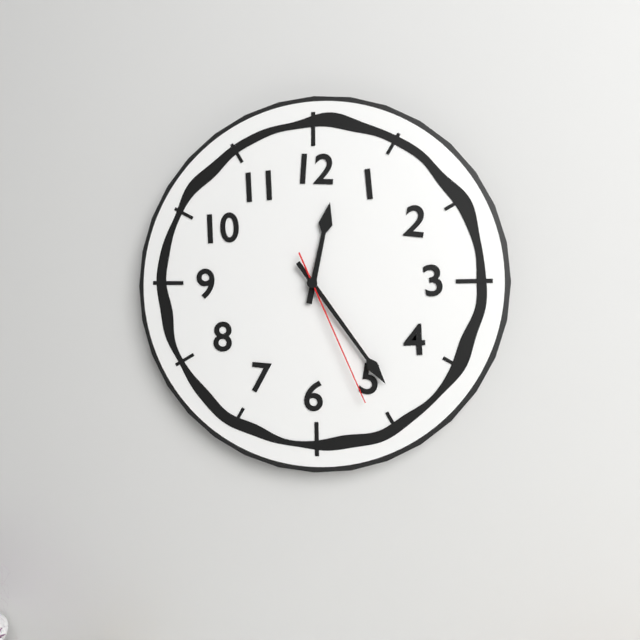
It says 12 h 24 min 26 s
